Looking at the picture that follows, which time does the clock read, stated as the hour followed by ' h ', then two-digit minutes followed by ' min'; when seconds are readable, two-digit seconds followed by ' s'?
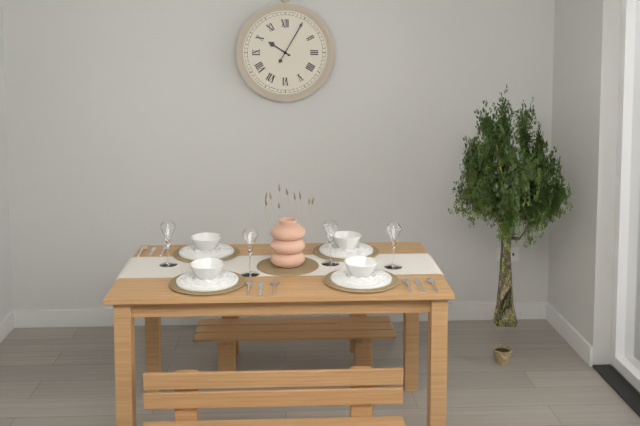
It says 10 h 05 min
